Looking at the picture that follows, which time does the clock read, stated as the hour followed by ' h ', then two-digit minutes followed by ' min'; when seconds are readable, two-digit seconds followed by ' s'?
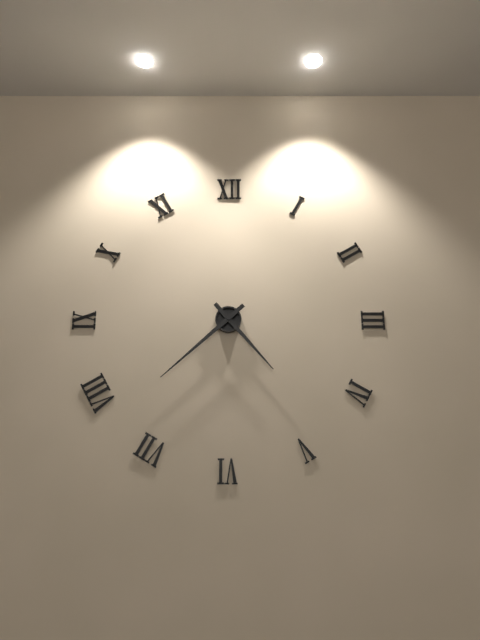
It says 4 h 38 min
